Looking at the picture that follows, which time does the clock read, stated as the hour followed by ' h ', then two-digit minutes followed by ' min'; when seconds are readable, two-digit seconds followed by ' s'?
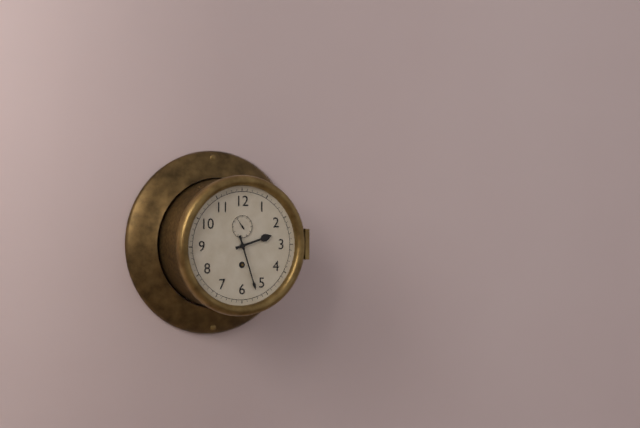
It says 2 h 27 min
